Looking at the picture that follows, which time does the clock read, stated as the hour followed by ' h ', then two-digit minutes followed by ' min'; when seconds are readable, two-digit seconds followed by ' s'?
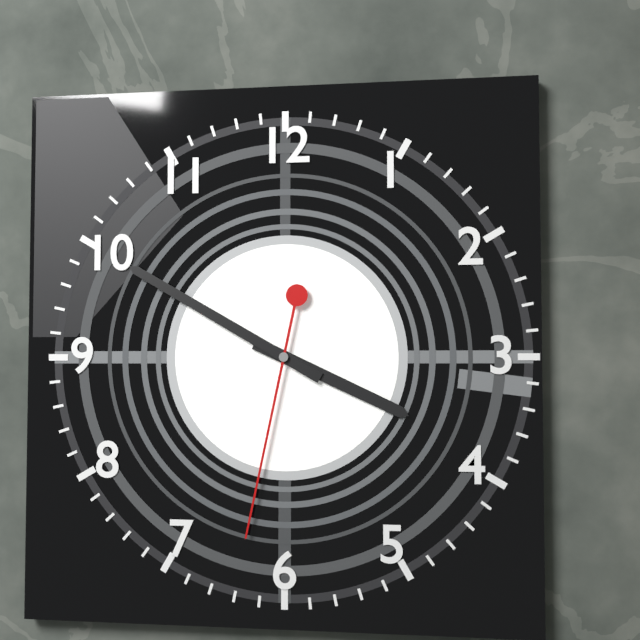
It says 3 h 50 min 32 s
